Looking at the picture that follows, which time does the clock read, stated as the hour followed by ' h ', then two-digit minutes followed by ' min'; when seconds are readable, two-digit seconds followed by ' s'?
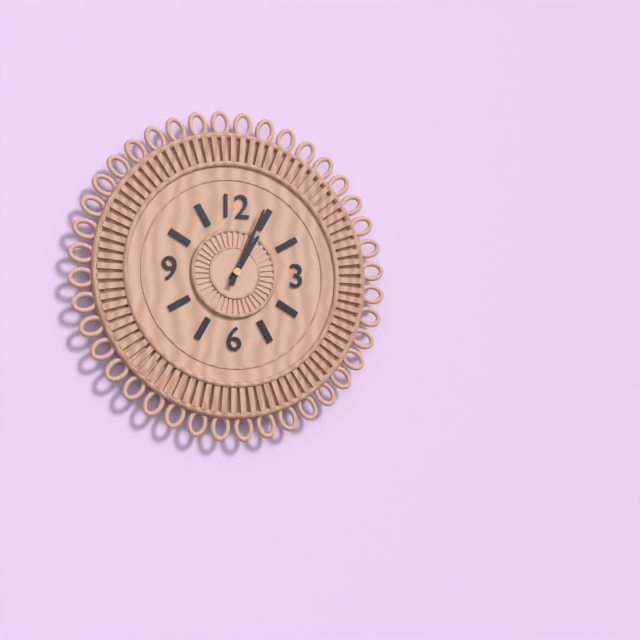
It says 1 h 04 min
